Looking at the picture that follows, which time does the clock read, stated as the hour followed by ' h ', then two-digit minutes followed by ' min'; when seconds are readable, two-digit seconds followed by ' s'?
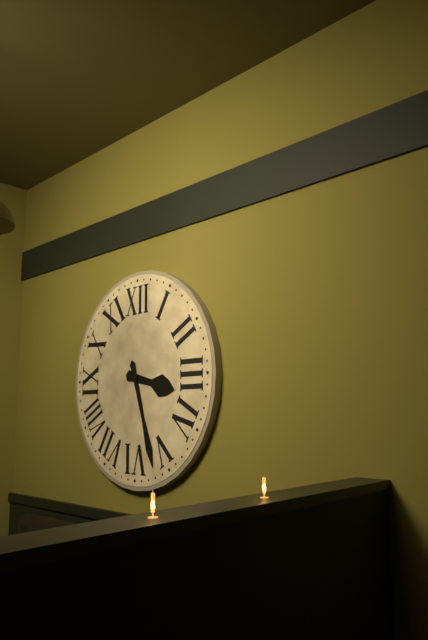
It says 3 h 27 min
